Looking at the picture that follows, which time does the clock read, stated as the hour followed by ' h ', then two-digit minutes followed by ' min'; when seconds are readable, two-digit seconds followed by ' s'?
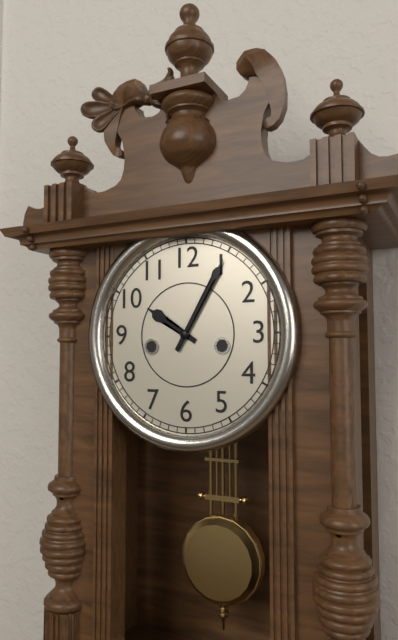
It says 10 h 05 min
